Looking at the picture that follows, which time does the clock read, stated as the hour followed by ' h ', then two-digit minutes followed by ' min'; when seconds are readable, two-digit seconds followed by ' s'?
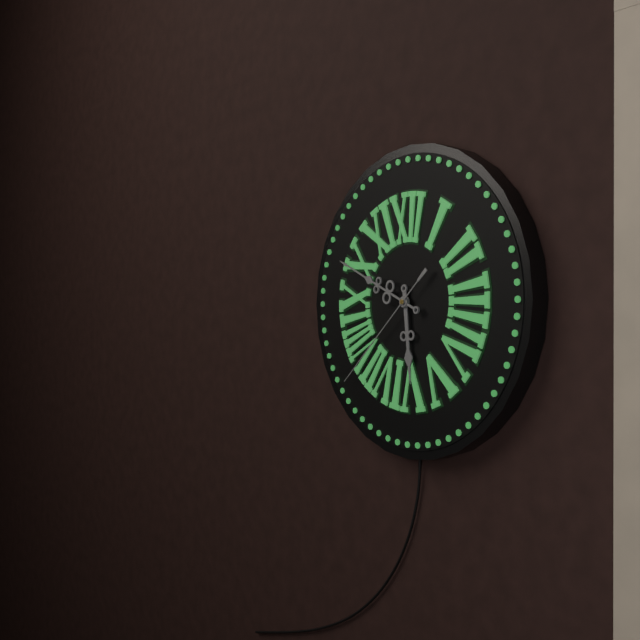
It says 5 h 49 min 38 s
